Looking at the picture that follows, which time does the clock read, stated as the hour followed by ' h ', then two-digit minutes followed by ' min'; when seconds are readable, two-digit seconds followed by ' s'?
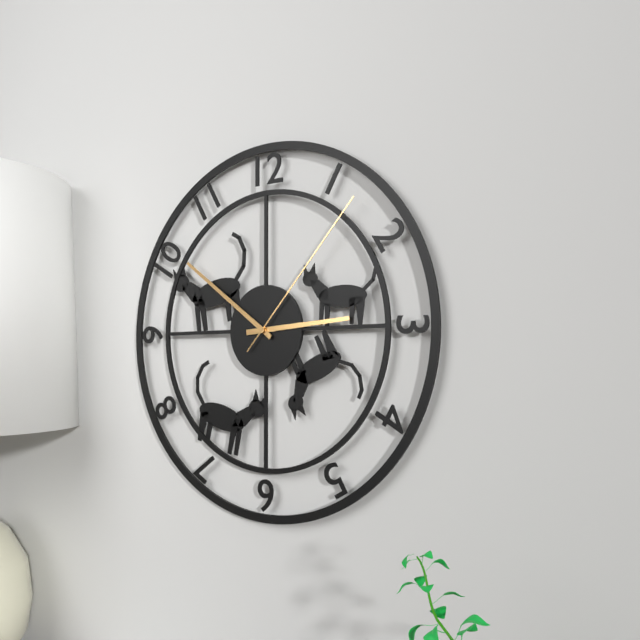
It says 2 h 51 min 07 s
